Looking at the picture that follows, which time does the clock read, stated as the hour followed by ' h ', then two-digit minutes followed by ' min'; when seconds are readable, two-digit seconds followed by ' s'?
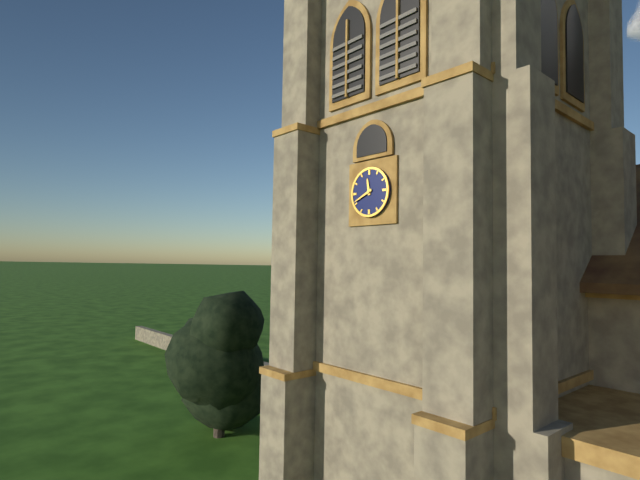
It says 11 h 41 min
